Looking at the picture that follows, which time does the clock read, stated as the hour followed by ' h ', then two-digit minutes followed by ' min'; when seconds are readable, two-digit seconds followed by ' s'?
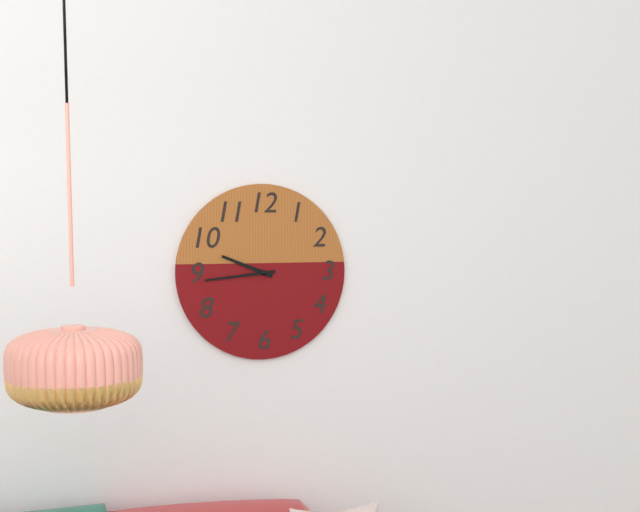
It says 9 h 44 min
